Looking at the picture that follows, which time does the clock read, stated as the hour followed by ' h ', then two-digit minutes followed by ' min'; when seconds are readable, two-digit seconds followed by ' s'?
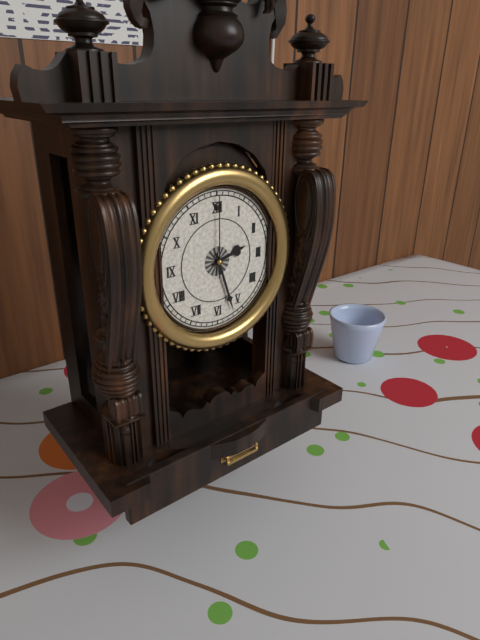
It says 2 h 27 min 00 s
